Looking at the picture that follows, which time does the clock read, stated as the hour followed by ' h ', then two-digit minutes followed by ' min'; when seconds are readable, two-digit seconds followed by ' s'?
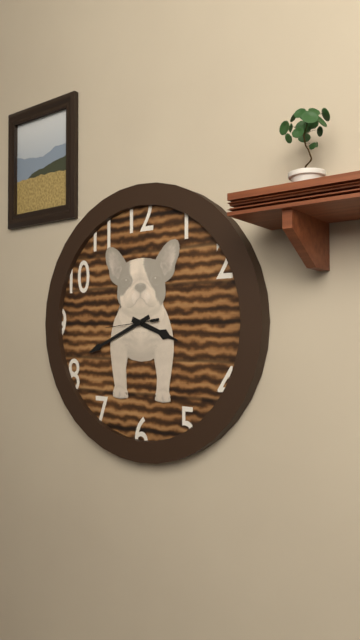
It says 3 h 41 min
